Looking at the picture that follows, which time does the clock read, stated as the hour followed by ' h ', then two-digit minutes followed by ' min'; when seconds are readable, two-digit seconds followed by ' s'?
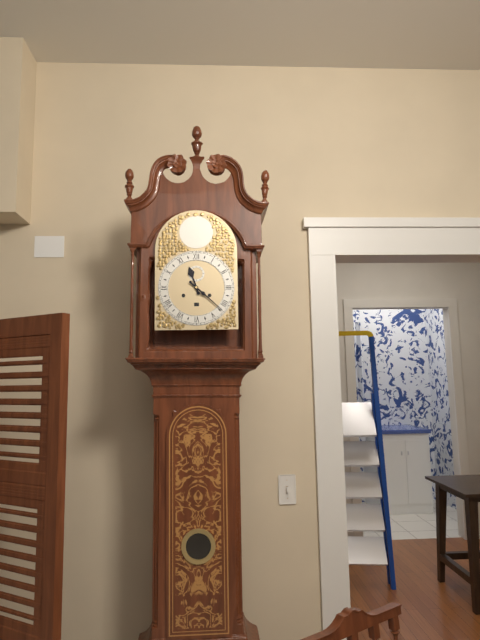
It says 11 h 22 min
